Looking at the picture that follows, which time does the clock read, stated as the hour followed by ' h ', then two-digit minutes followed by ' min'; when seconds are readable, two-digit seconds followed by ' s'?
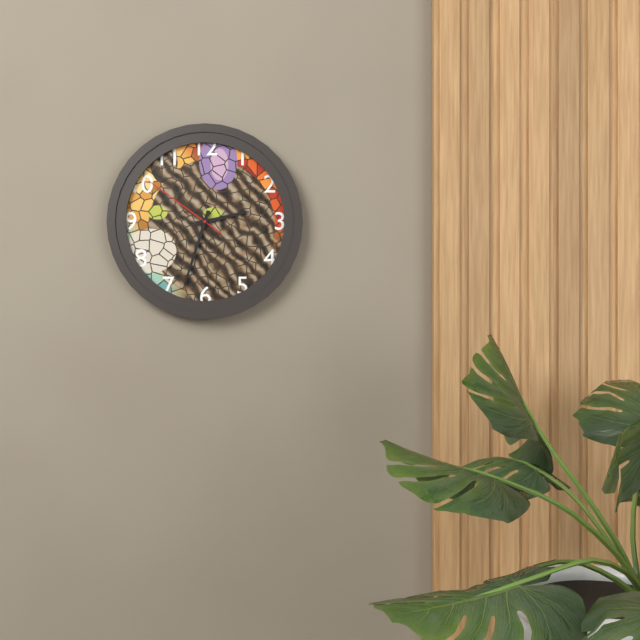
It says 2 h 33 min 51 s
